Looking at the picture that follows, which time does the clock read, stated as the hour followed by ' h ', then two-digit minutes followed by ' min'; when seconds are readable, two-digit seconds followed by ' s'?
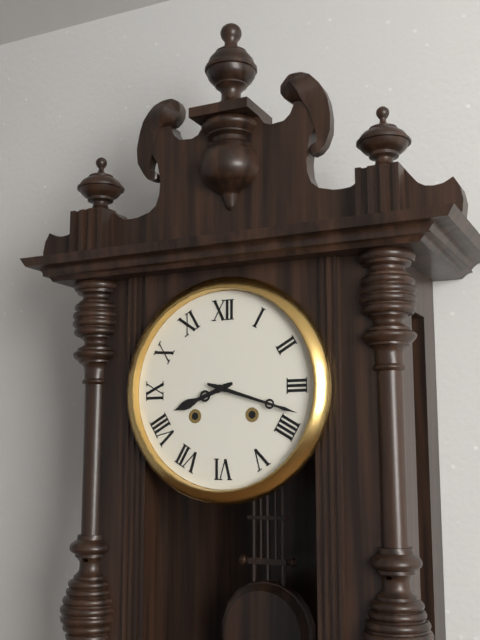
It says 8 h 18 min
